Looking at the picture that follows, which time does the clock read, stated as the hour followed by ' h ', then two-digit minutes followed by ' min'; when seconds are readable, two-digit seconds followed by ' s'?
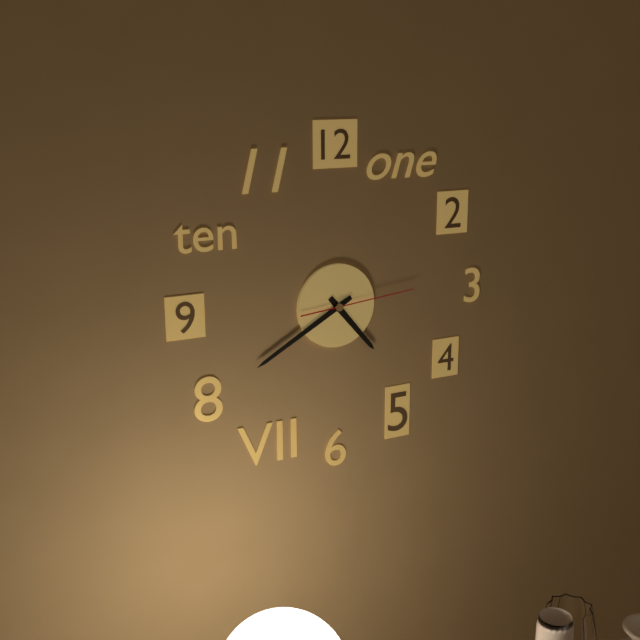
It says 4 h 40 min 14 s
